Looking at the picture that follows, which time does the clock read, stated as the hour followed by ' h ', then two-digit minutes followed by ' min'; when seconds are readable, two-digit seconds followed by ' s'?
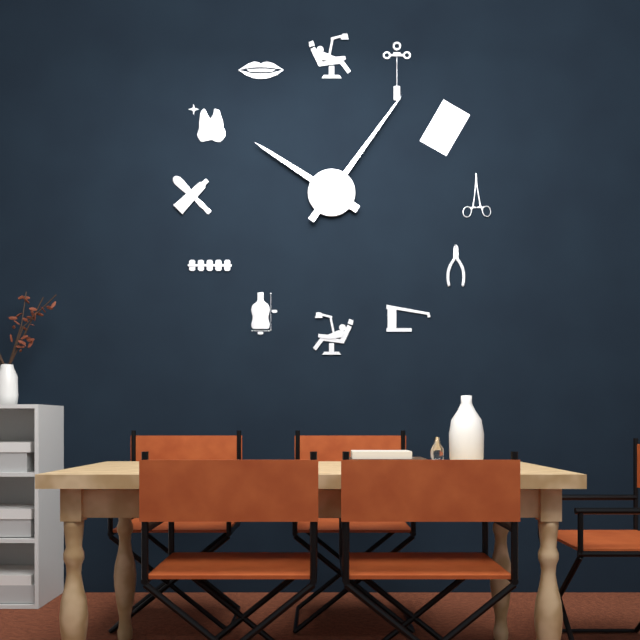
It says 10 h 06 min
